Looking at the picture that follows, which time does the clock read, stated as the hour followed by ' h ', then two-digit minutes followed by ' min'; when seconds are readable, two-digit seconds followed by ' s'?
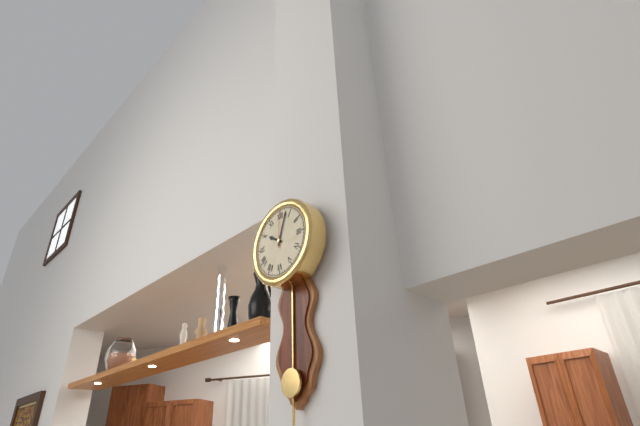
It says 10 h 03 min
